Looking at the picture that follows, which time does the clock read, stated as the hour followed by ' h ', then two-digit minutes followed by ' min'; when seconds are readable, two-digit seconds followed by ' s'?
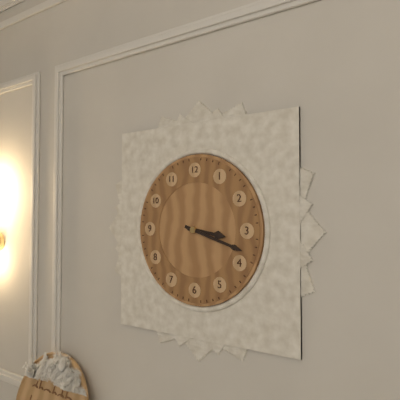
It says 3 h 18 min
